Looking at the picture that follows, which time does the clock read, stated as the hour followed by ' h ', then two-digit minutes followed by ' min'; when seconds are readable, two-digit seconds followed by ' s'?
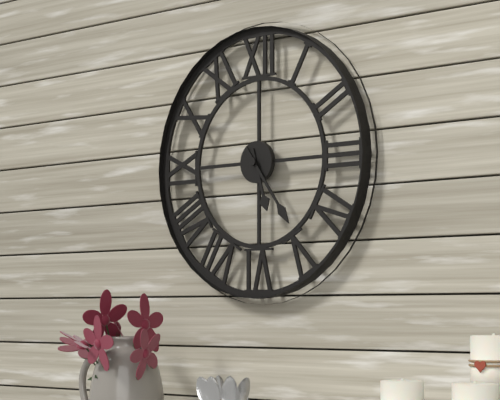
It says 5 h 24 min
